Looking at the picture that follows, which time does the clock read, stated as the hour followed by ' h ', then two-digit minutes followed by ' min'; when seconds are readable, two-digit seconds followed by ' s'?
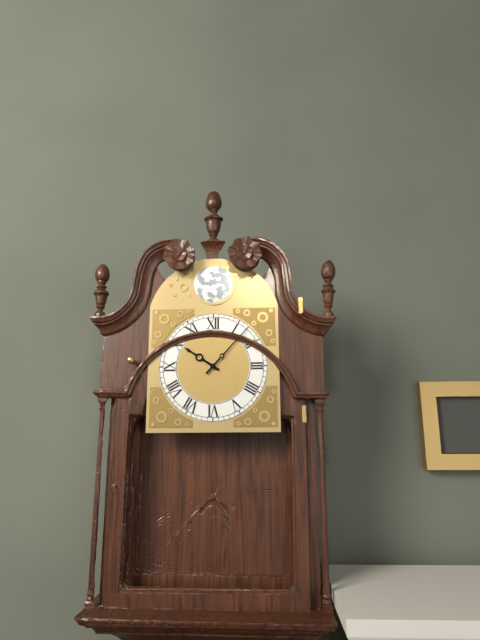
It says 10 h 07 min
